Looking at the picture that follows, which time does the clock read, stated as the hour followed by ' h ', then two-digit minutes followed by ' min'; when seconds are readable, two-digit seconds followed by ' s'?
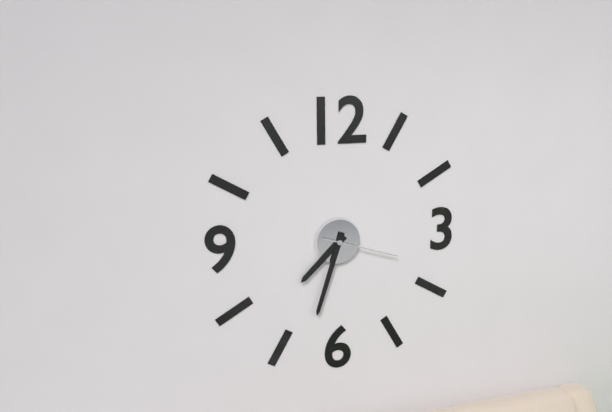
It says 7 h 33 min 18 s
